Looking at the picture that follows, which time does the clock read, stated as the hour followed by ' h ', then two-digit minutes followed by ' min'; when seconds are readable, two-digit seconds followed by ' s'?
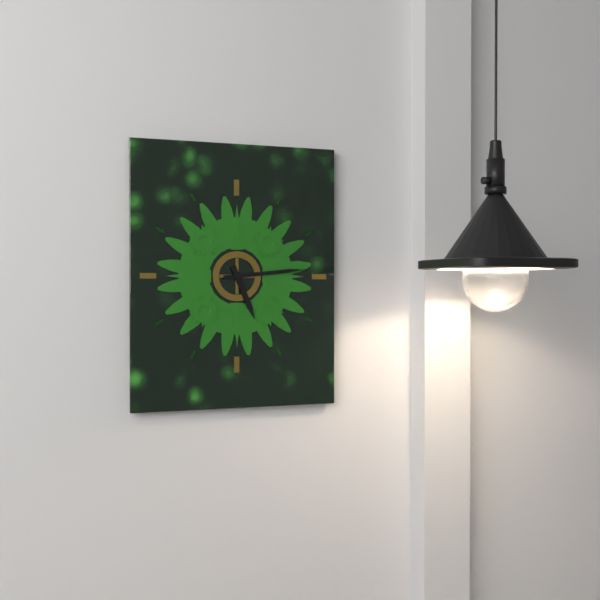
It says 5 h 14 min
